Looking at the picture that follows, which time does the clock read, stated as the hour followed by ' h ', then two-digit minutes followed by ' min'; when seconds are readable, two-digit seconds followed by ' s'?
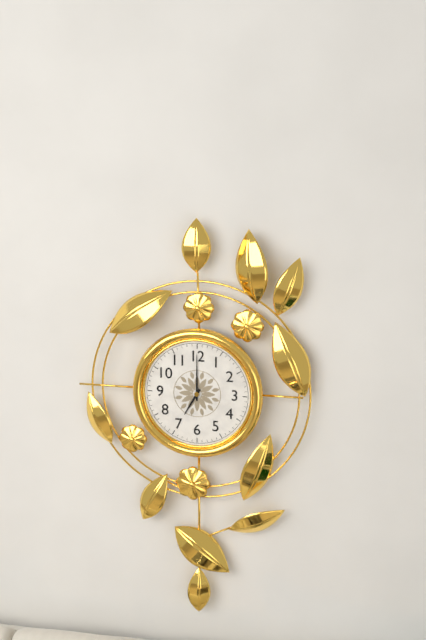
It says 7 h 00 min
